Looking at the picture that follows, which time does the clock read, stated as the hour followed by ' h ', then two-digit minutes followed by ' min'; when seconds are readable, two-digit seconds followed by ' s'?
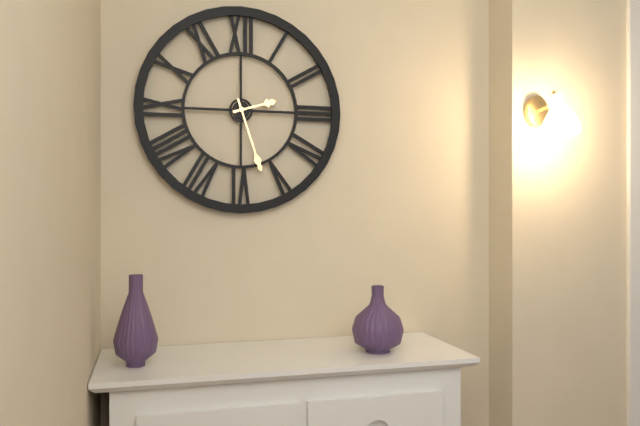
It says 2 h 27 min
